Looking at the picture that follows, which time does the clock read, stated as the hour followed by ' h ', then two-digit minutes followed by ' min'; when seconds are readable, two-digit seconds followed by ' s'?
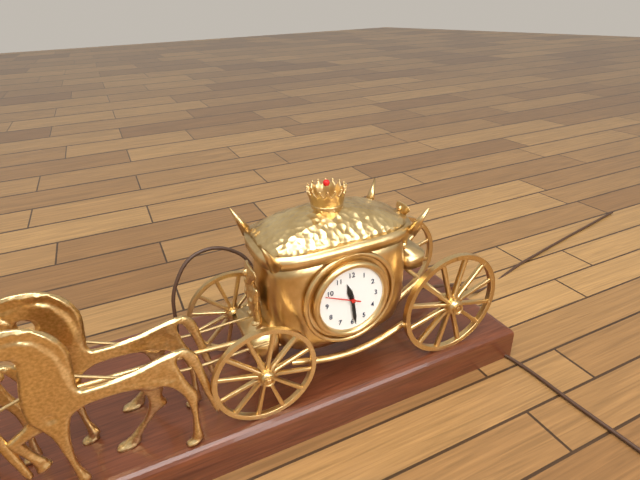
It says 11 h 29 min
